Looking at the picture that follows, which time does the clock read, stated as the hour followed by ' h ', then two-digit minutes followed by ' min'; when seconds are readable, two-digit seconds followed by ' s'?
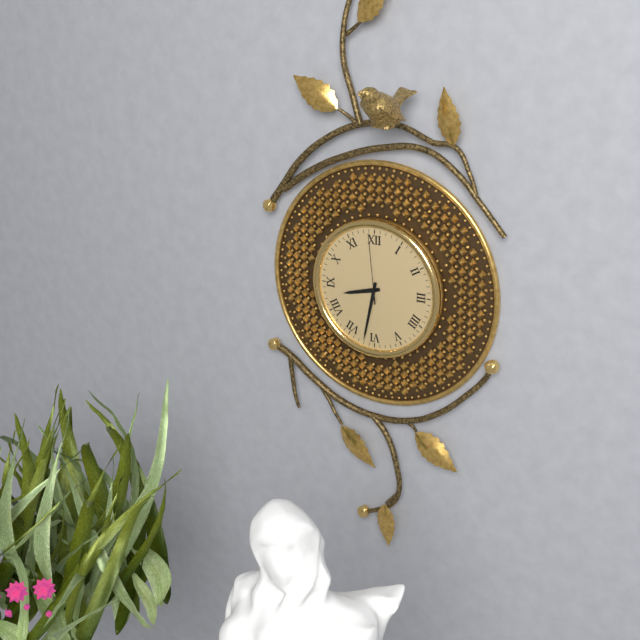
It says 8 h 32 min 59 s
